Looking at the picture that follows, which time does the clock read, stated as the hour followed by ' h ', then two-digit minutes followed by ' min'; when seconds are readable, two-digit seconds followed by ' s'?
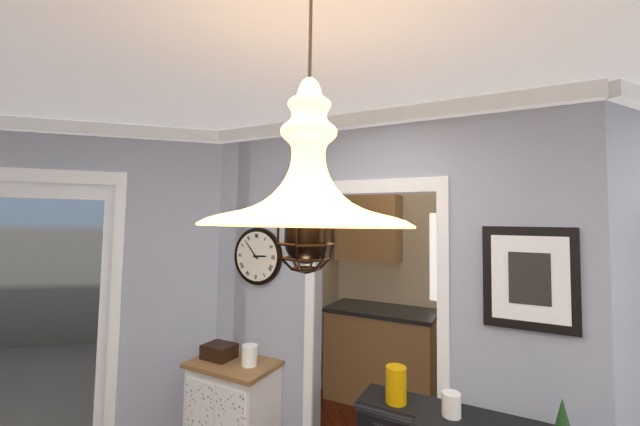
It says 2 h 53 min
